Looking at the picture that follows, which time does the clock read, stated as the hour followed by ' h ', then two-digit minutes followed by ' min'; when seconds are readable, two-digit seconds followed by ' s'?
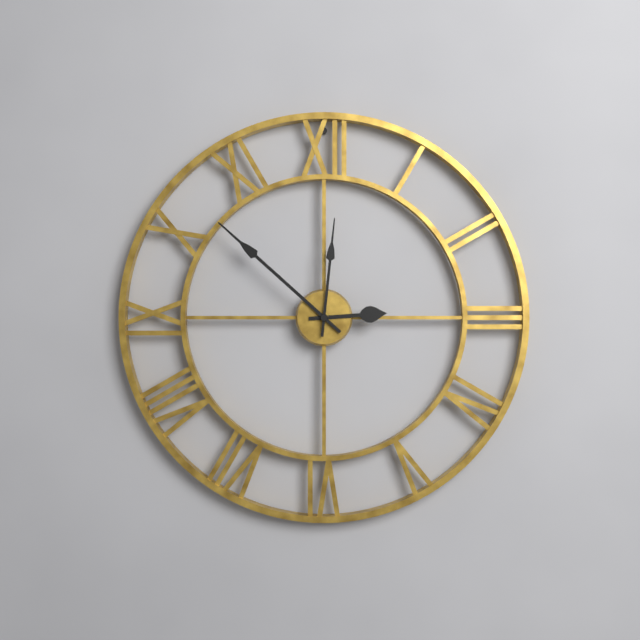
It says 2 h 52 min 01 s
